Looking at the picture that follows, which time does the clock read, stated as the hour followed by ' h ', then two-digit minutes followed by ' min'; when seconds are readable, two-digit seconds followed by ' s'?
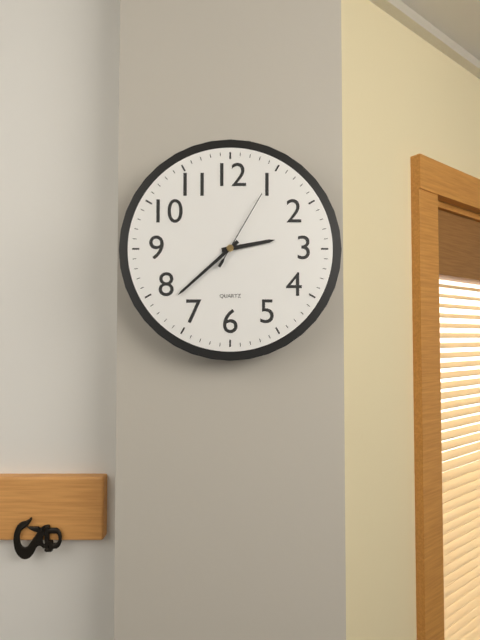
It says 2 h 38 min 05 s
